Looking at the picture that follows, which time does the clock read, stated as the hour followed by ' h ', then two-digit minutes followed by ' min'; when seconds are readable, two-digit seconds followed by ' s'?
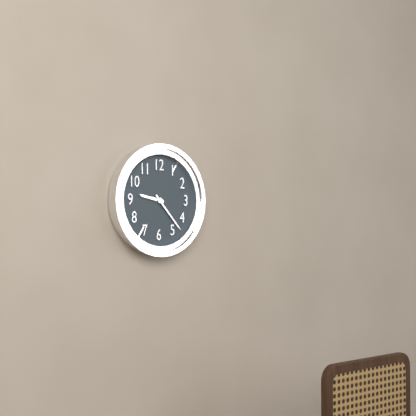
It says 9 h 23 min
